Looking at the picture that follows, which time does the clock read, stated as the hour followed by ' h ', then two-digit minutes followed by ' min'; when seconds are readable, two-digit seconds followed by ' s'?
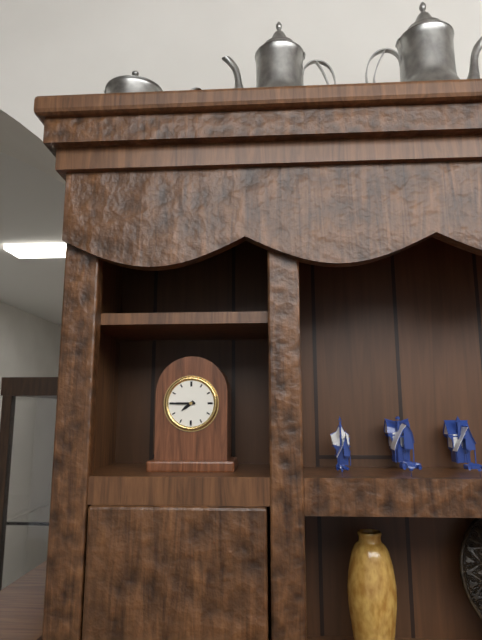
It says 7 h 45 min
